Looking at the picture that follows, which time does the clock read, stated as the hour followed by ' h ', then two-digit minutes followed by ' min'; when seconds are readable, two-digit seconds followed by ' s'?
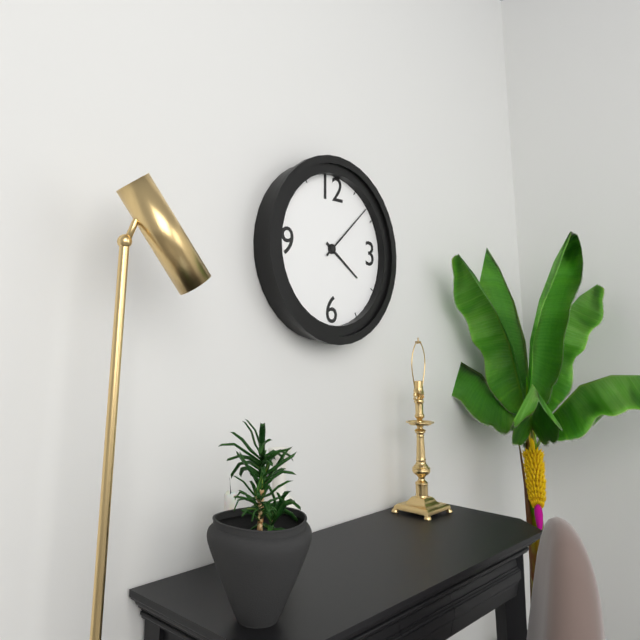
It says 4 h 08 min
